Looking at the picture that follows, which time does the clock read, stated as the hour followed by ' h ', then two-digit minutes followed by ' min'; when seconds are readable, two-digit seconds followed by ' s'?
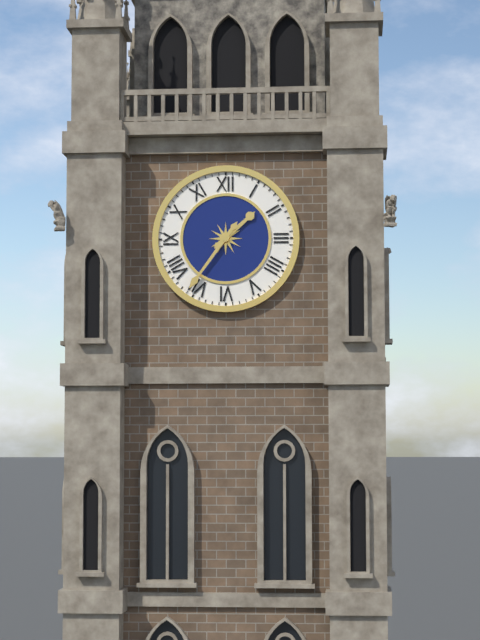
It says 1 h 36 min
